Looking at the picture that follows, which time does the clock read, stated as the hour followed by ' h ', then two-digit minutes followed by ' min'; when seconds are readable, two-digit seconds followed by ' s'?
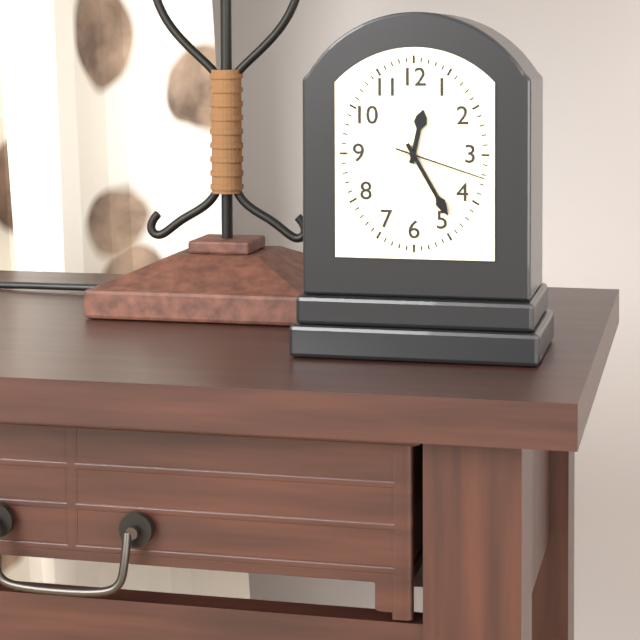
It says 12 h 25 min 18 s
